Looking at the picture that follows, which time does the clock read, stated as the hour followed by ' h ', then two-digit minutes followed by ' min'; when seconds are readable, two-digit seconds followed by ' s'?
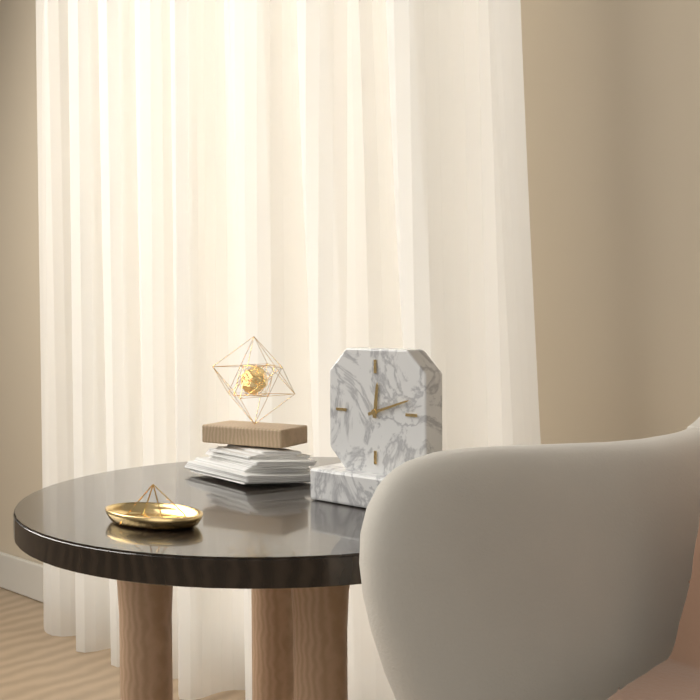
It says 12 h 12 min
